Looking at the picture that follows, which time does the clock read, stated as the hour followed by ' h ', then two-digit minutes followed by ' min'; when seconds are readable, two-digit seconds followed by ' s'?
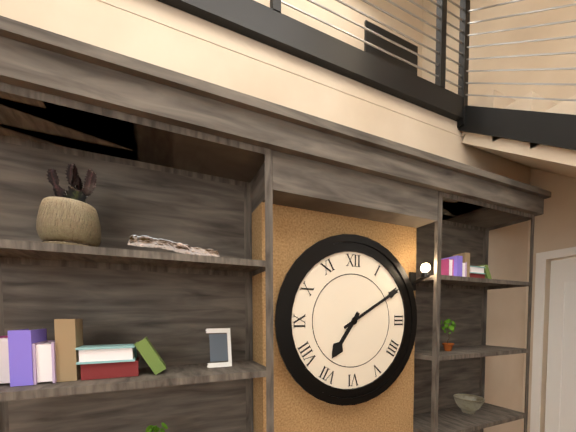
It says 7 h 10 min
